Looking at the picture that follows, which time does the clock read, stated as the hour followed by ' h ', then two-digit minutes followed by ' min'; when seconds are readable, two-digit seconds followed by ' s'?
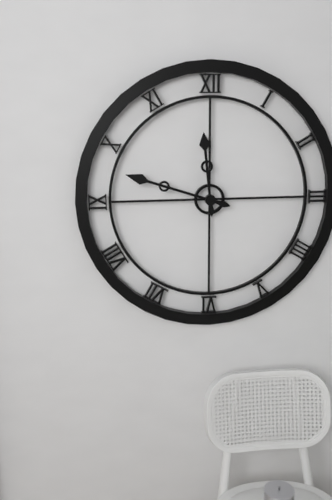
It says 11 h 48 min
